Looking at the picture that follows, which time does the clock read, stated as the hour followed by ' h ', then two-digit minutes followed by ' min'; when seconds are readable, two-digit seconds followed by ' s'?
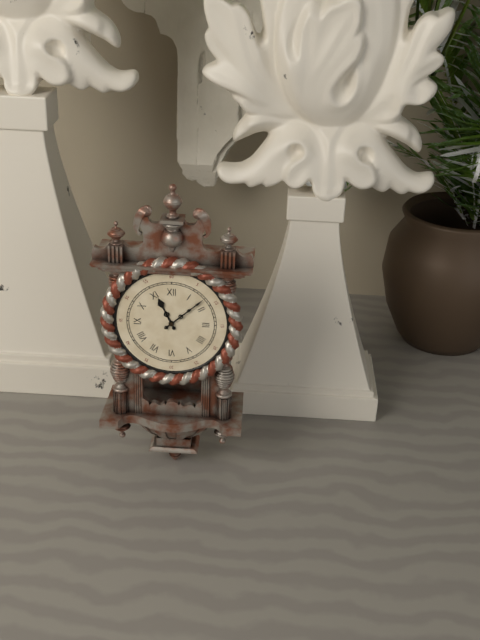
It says 11 h 08 min
